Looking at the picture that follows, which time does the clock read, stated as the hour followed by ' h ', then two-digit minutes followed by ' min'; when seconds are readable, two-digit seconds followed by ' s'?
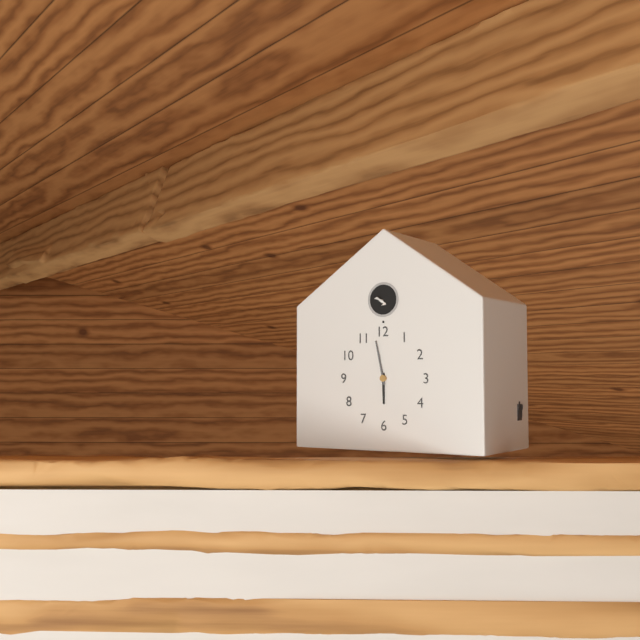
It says 5 h 58 min
